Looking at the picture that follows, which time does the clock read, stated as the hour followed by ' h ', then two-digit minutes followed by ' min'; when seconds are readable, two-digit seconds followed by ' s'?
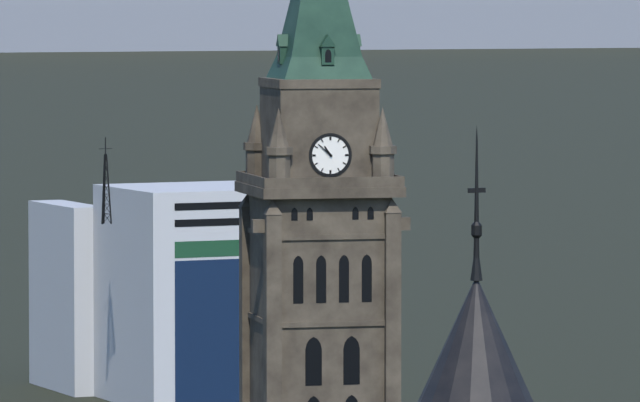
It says 10 h 52 min
